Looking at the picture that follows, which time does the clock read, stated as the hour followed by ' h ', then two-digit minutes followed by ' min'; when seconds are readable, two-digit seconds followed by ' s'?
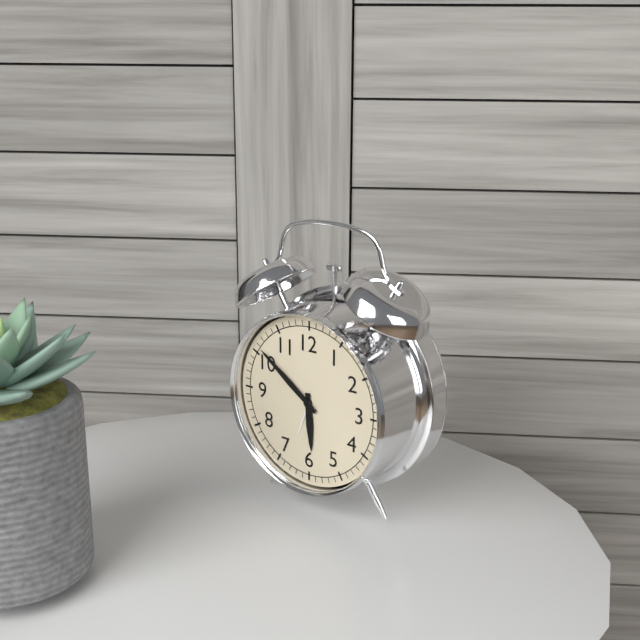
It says 5 h 51 min
